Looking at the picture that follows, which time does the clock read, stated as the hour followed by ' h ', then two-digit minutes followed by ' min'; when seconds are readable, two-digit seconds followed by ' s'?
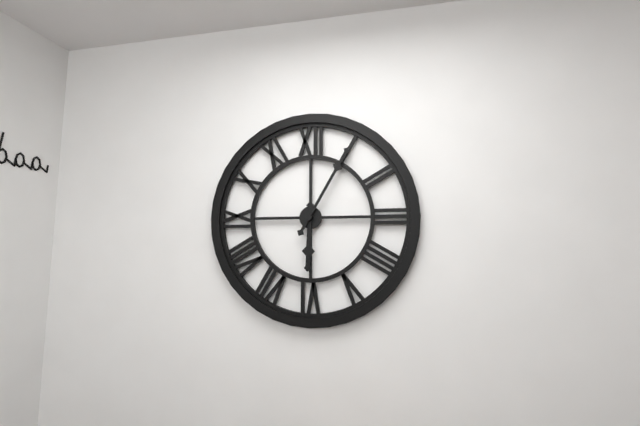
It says 6 h 05 min
